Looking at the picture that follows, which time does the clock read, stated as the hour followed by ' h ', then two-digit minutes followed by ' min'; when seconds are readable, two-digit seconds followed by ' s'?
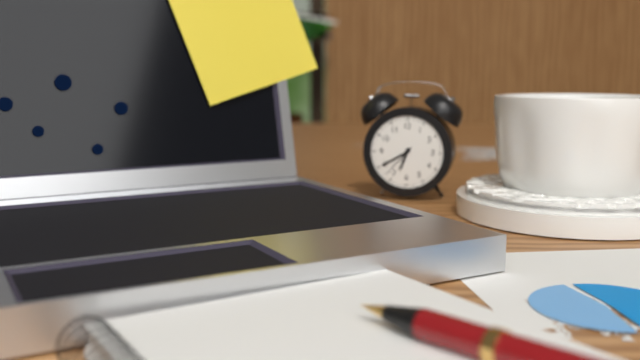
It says 6 h 40 min
